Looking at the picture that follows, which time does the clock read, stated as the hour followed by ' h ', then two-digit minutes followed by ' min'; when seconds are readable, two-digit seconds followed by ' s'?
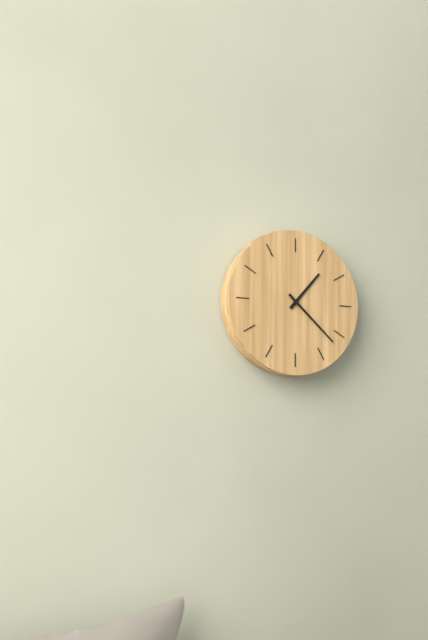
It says 1 h 22 min
